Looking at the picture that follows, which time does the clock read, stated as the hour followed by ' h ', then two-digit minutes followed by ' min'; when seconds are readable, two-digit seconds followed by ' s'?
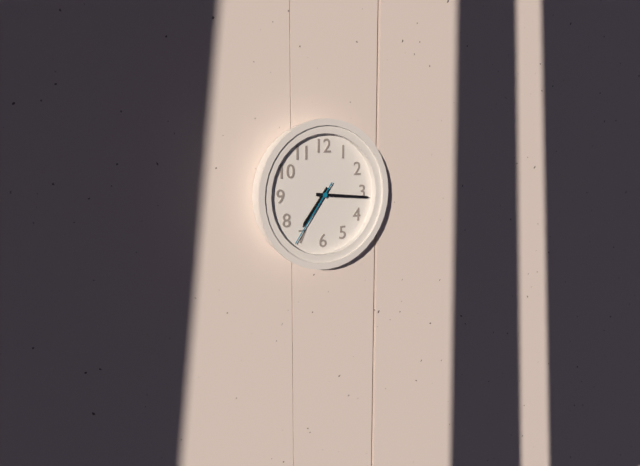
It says 7 h 16 min 36 s
